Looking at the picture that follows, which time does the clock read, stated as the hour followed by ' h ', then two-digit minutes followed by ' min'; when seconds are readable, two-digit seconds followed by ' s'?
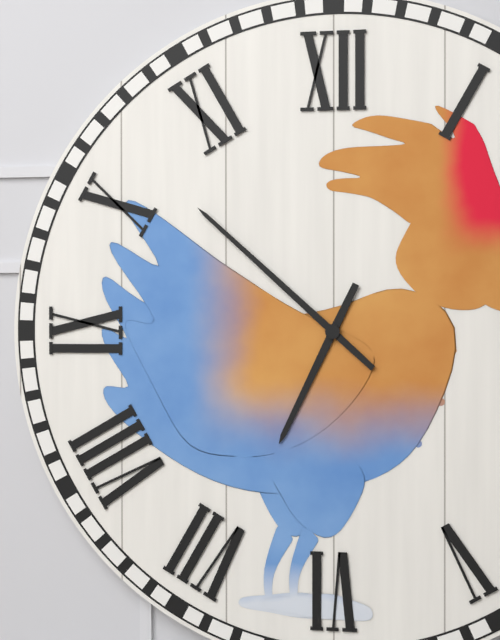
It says 6 h 52 min
